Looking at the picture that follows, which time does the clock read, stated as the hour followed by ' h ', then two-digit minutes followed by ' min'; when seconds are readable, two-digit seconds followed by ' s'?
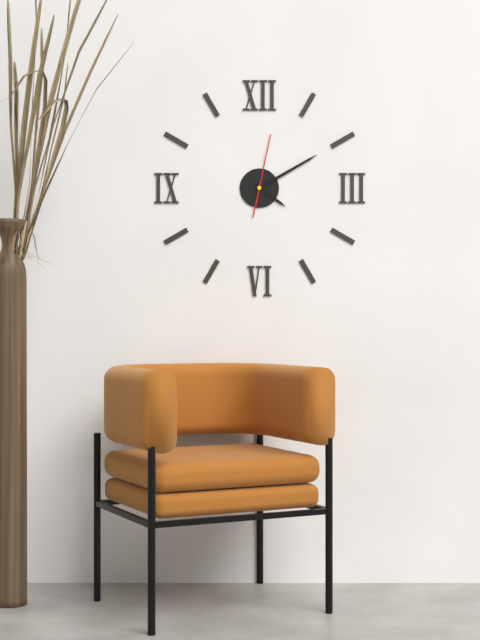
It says 4 h 10 min 02 s
